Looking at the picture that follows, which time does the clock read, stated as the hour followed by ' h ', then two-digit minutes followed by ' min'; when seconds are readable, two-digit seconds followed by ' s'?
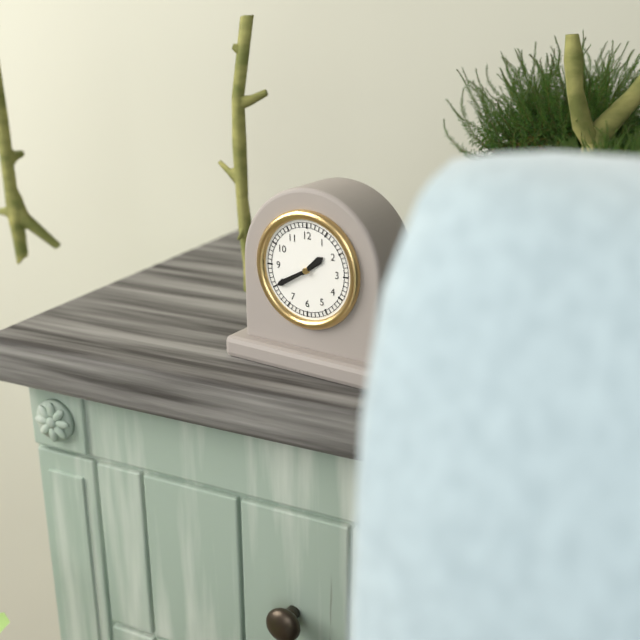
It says 1 h 40 min
